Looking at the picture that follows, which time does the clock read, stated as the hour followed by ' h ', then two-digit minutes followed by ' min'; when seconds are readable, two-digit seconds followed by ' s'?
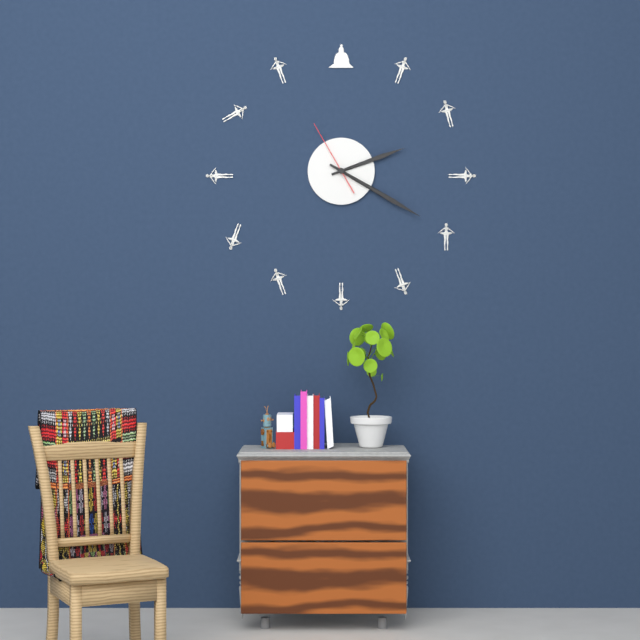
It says 2 h 20 min 55 s
